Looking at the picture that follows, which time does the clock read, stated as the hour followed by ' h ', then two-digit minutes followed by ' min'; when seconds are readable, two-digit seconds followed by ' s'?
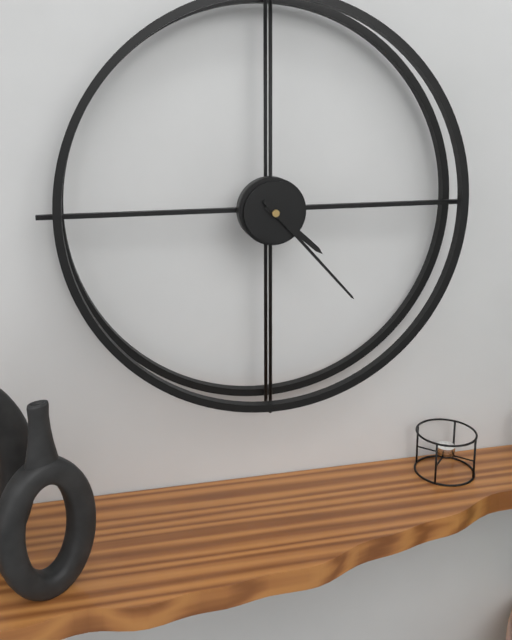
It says 4 h 23 min
